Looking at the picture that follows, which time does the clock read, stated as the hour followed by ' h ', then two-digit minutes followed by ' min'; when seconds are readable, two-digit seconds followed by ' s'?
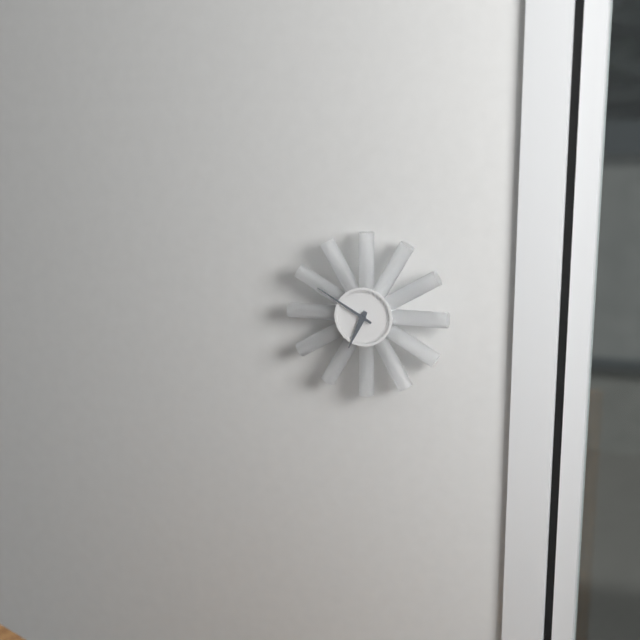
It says 6 h 50 min
